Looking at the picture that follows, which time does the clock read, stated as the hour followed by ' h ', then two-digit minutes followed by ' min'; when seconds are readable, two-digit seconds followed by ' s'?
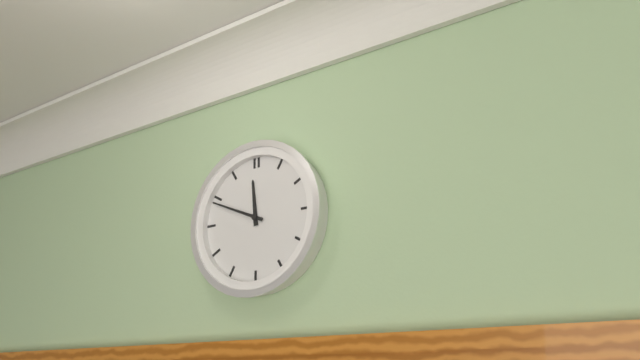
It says 11 h 49 min
